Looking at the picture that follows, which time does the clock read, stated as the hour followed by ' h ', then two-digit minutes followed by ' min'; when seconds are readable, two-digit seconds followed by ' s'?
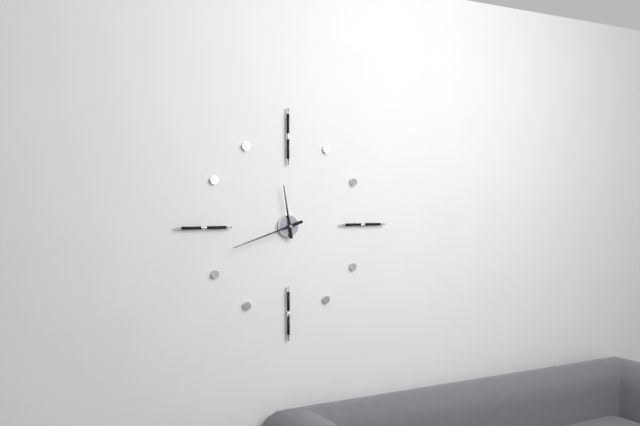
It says 11 h 42 min
